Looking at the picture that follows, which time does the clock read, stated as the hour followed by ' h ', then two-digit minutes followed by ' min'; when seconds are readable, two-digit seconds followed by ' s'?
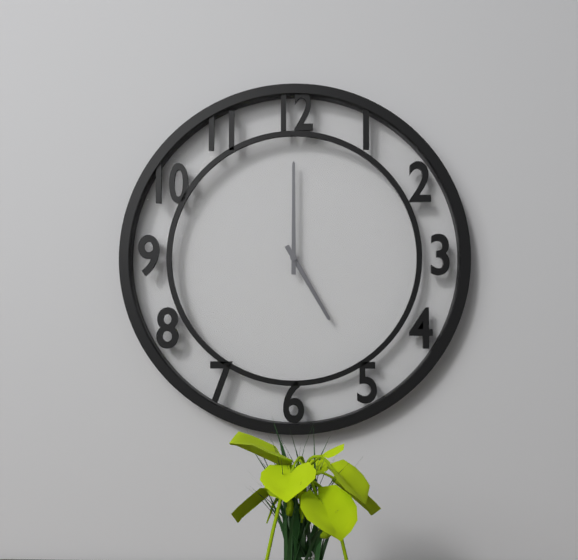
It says 5 h 00 min
